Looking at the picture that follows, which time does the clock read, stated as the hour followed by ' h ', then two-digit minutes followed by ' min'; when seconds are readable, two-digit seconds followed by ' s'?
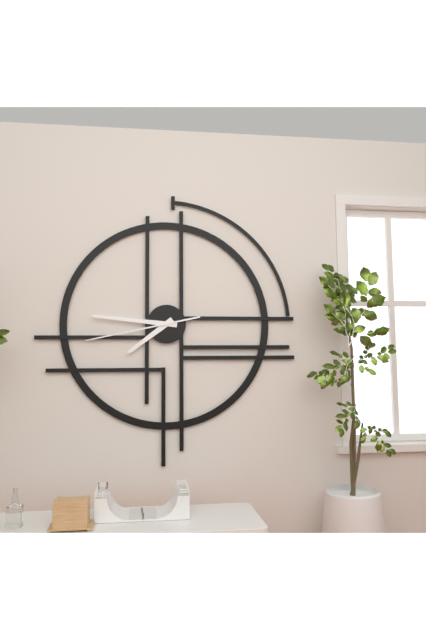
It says 7 h 46 min 43 s
